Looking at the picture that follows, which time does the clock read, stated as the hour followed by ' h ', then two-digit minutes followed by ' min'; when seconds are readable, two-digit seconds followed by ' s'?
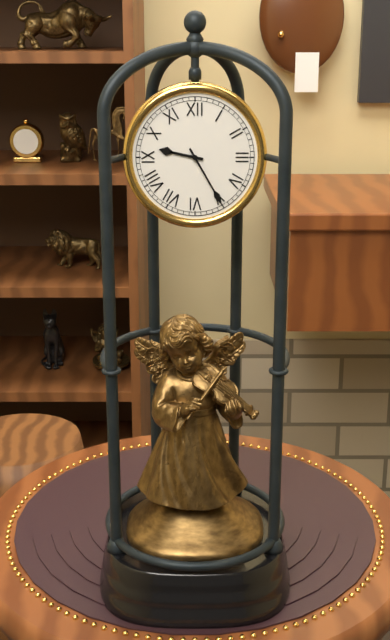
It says 9 h 25 min
